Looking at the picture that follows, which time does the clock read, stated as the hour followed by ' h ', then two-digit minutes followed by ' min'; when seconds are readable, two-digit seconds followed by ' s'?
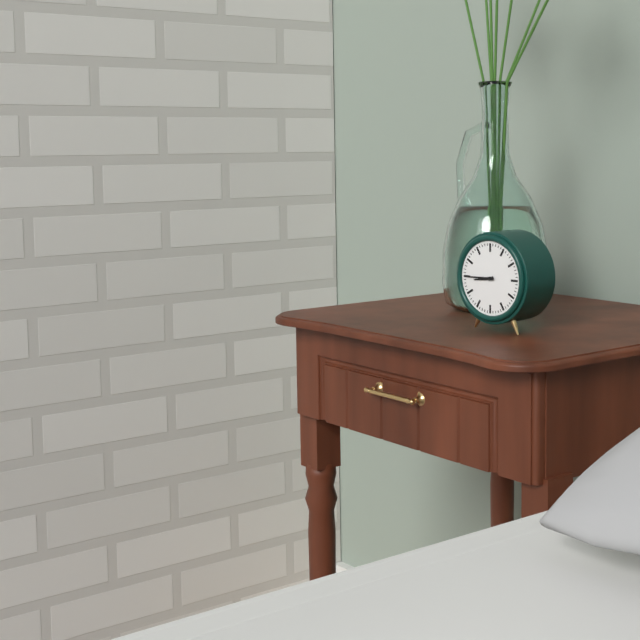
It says 8 h 45 min
